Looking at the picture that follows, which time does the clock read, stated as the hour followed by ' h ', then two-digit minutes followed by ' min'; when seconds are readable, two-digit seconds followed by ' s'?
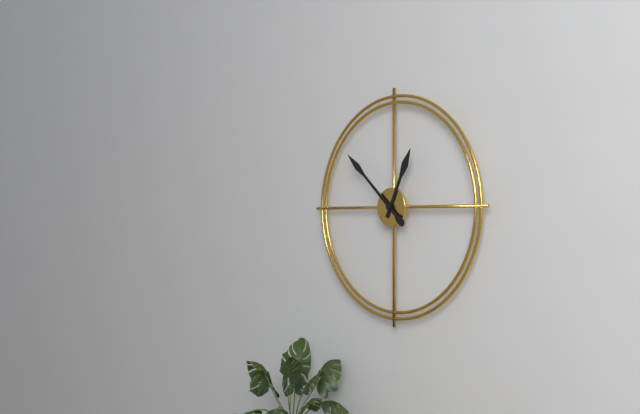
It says 12 h 52 min
